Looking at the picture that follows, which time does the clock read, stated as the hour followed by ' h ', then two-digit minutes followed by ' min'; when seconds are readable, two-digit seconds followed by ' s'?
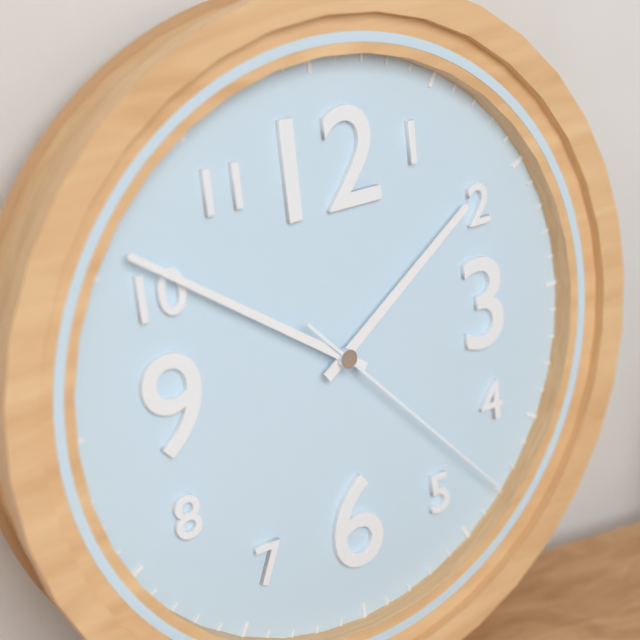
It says 1 h 51 min 23 s
